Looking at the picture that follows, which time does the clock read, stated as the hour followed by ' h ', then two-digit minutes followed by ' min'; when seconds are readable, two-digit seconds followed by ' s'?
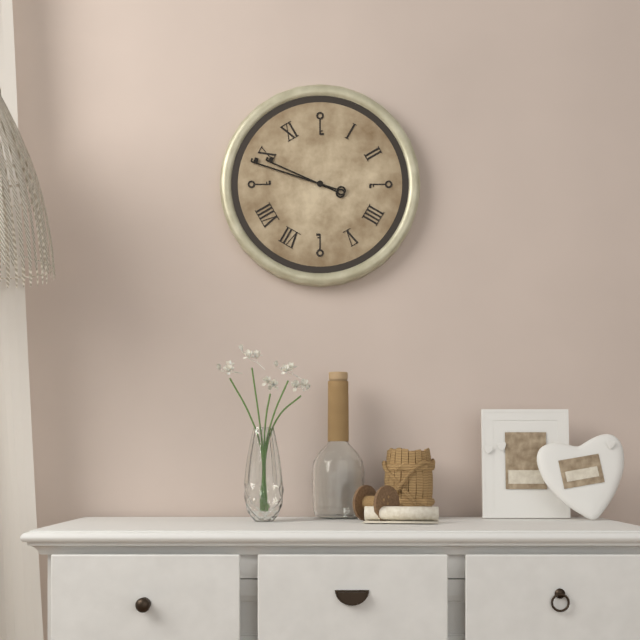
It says 9 h 48 min
